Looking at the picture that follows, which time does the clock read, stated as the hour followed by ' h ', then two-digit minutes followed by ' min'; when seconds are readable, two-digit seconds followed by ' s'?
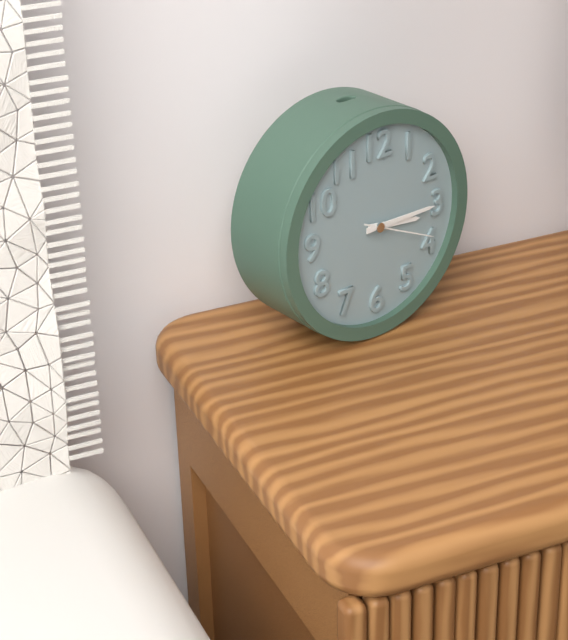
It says 3 h 15 min 19 s
